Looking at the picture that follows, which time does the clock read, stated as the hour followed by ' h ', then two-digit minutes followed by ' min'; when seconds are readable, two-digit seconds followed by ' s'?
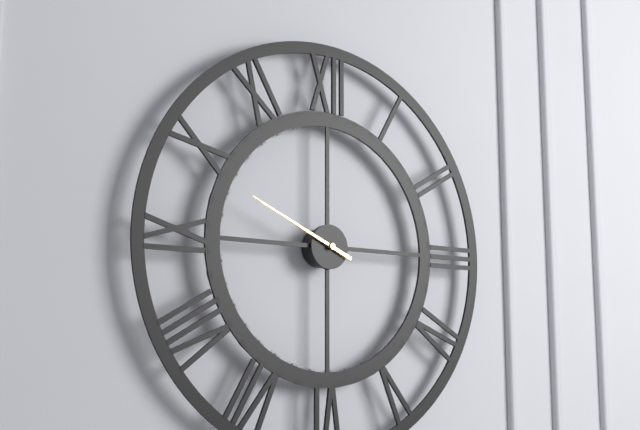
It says 9 h 49 min
